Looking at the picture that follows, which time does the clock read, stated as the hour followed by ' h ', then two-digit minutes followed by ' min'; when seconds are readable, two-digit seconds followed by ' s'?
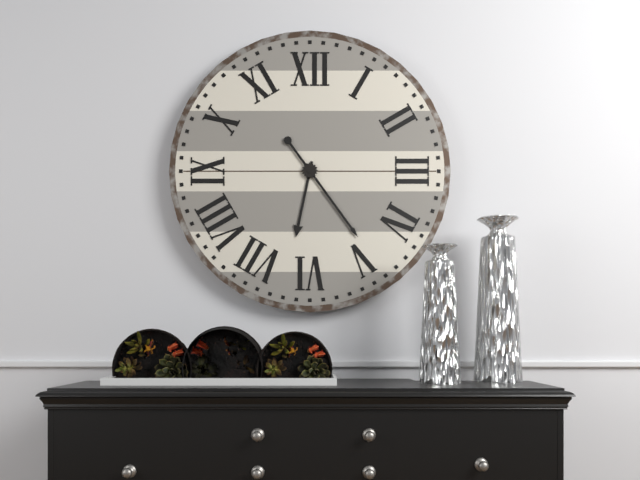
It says 6 h 24 min
